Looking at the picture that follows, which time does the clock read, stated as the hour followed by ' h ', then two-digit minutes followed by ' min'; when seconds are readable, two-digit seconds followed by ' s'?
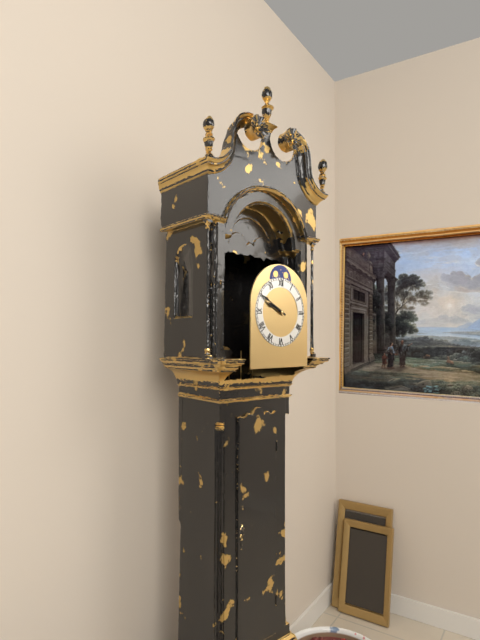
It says 9 h 50 min
